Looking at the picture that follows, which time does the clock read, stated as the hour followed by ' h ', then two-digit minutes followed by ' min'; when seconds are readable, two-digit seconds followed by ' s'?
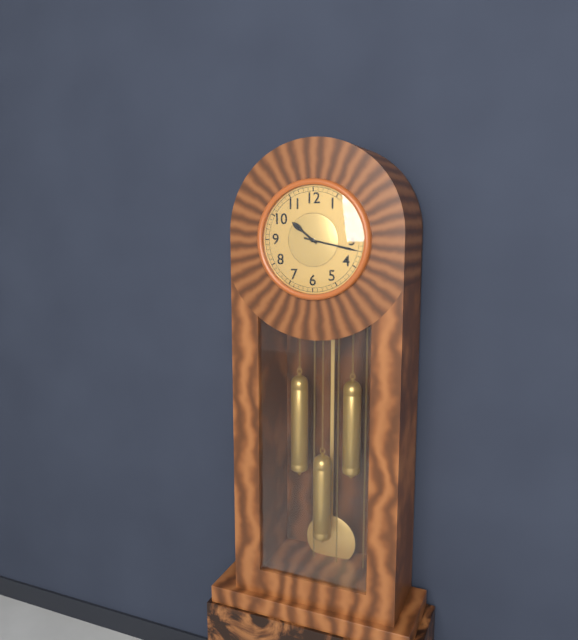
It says 10 h 17 min
